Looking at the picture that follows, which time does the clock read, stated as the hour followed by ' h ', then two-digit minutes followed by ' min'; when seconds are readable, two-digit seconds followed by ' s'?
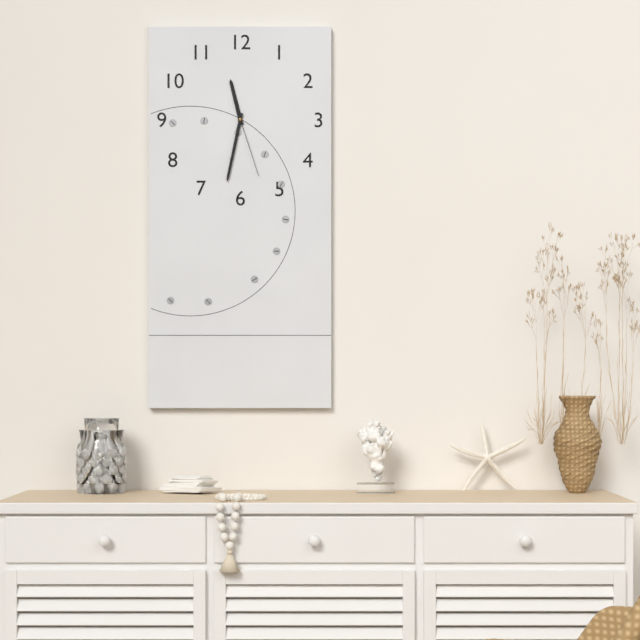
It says 11 h 32 min 27 s
